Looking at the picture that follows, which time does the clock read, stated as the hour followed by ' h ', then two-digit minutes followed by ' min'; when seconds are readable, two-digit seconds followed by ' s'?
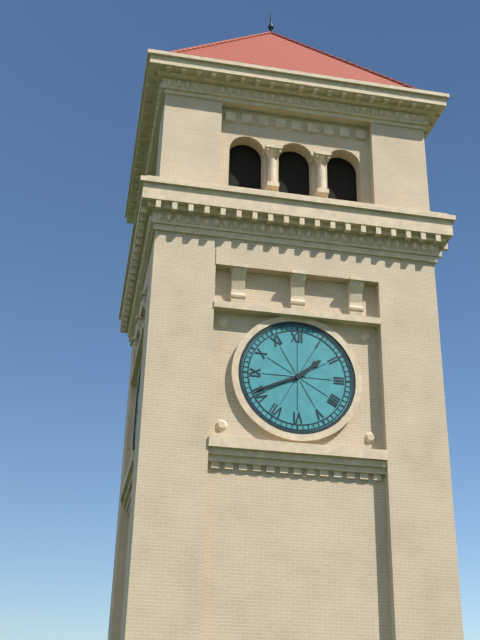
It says 1 h 41 min
